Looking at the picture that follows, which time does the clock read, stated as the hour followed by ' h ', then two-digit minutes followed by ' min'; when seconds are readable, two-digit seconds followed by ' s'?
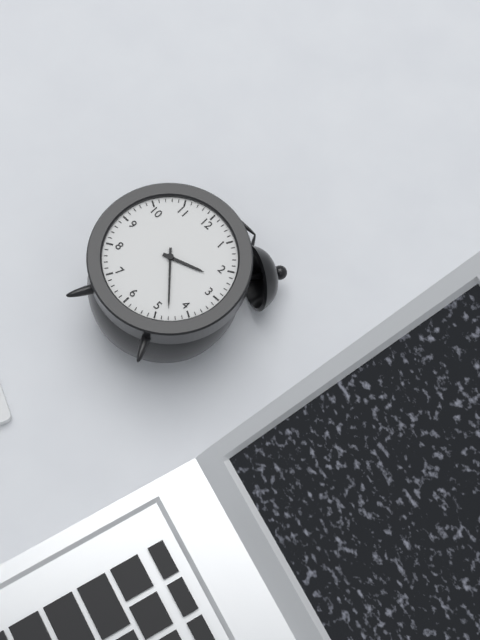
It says 2 h 23 min
